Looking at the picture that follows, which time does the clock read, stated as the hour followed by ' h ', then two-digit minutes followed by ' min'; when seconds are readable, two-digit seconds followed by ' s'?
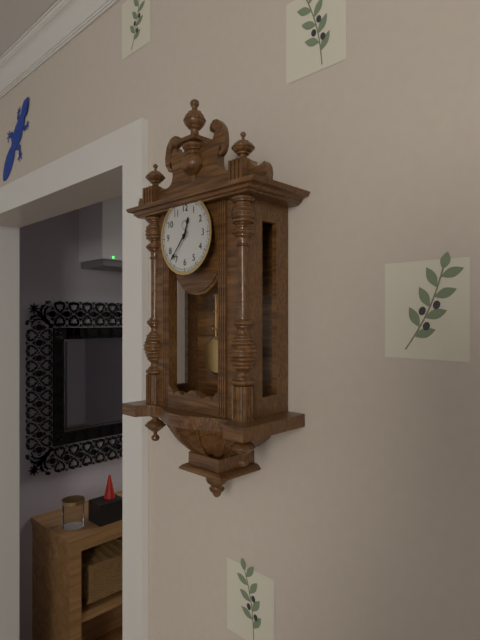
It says 12 h 37 min
